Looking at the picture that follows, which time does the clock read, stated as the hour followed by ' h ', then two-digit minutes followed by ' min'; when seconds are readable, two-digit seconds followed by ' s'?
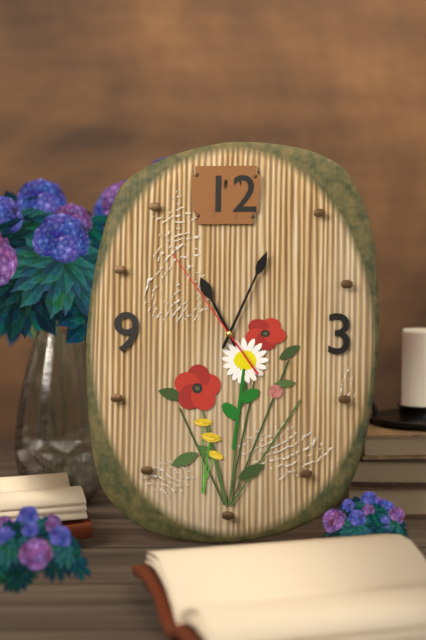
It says 11 h 04 min 54 s
